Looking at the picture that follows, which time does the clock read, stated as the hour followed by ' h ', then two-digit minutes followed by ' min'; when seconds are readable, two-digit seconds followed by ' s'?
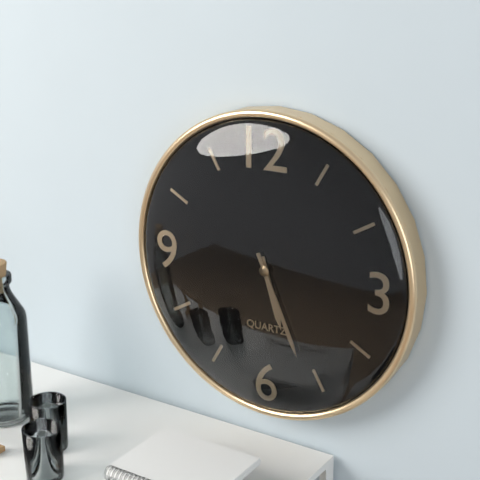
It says 5 h 26 min
